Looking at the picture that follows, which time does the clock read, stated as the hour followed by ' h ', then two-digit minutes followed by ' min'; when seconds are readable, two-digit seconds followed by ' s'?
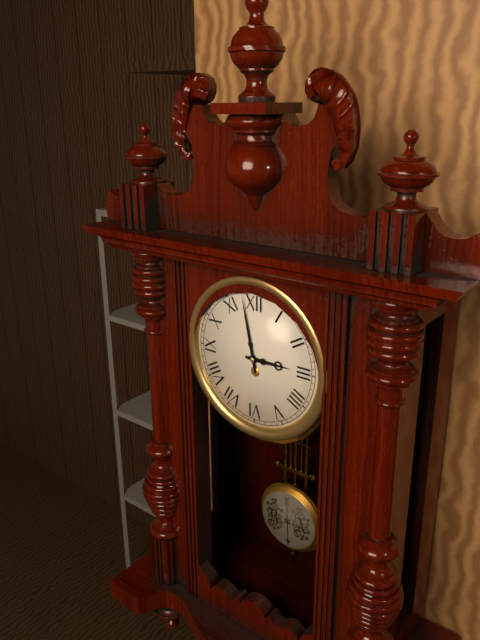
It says 2 h 58 min
